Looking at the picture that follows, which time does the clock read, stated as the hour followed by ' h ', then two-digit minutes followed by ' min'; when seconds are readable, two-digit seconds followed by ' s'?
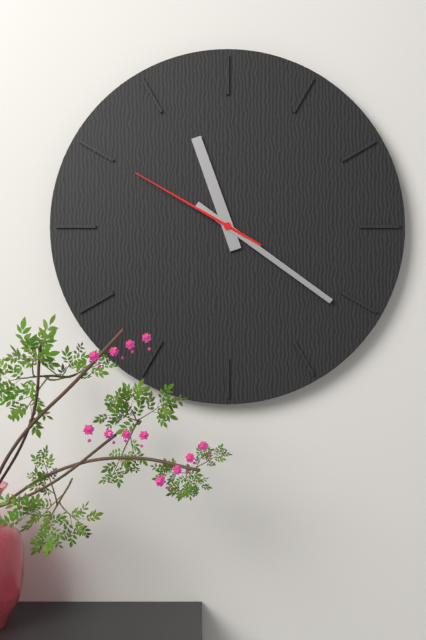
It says 11 h 21 min 50 s
